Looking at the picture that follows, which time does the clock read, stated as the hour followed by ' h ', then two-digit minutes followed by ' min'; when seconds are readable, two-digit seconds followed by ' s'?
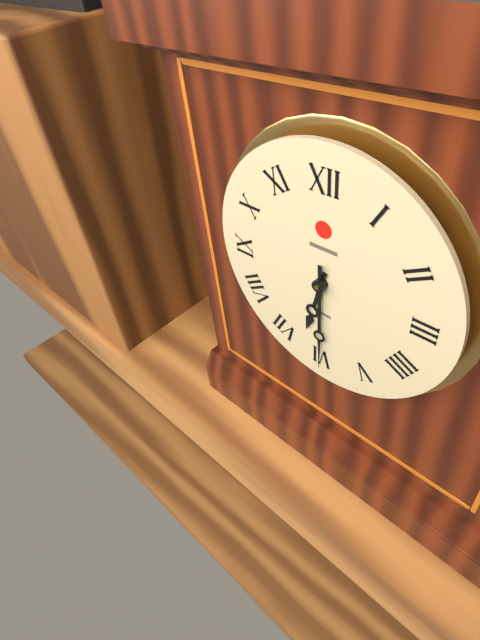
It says 6 h 30 min
